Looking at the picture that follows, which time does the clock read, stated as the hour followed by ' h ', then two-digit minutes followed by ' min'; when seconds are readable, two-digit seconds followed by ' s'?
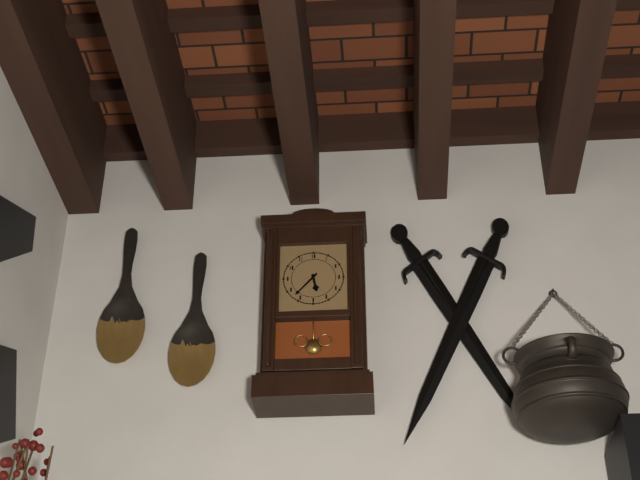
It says 5 h 37 min
